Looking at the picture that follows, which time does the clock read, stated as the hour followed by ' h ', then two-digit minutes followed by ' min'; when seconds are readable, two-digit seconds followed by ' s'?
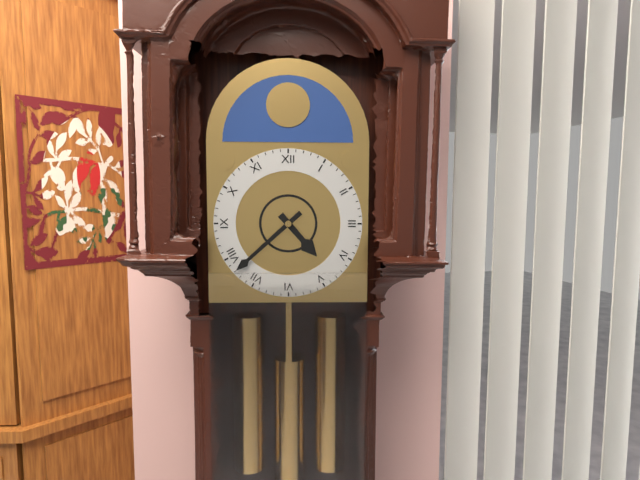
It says 4 h 38 min
